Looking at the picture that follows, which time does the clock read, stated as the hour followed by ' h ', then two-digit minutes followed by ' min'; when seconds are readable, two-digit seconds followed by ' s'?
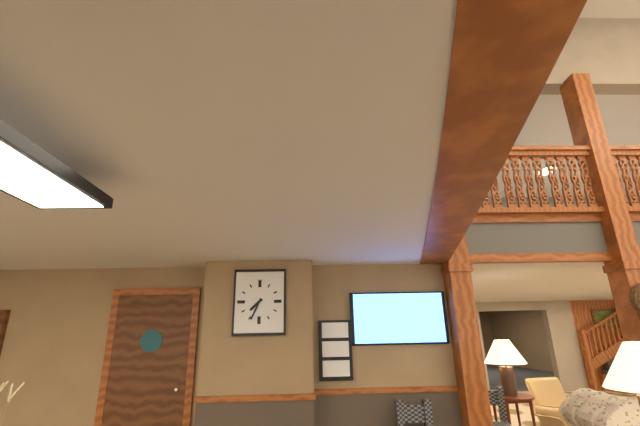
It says 7 h 34 min
